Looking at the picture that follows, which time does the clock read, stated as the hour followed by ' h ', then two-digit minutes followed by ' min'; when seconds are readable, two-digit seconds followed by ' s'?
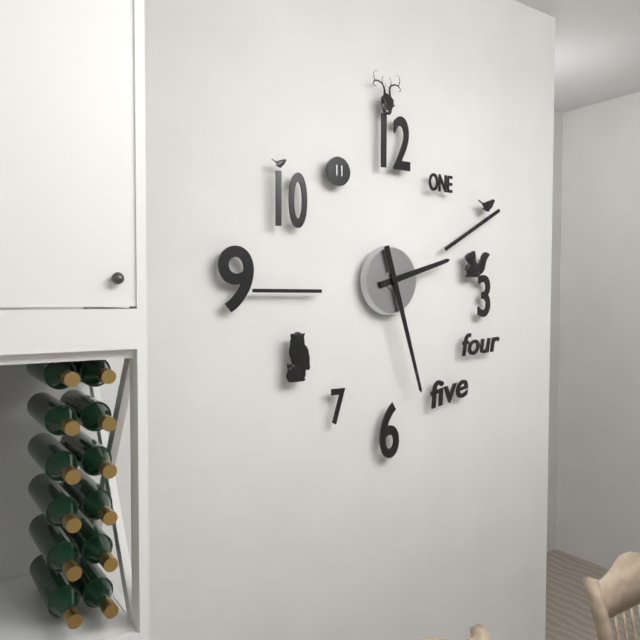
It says 2 h 27 min
